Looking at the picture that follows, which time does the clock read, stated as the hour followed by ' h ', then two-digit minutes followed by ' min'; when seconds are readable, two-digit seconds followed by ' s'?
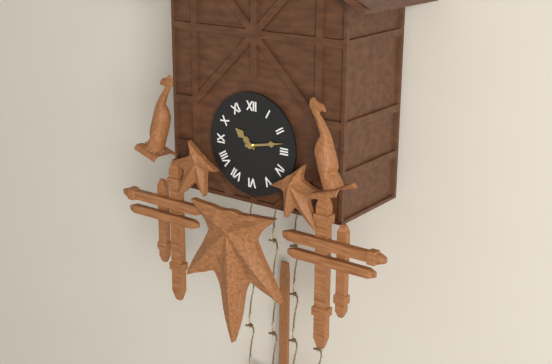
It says 10 h 13 min
